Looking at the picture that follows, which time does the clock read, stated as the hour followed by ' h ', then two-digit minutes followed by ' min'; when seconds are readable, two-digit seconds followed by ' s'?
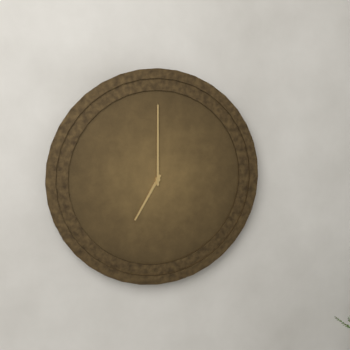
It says 7 h 00 min
